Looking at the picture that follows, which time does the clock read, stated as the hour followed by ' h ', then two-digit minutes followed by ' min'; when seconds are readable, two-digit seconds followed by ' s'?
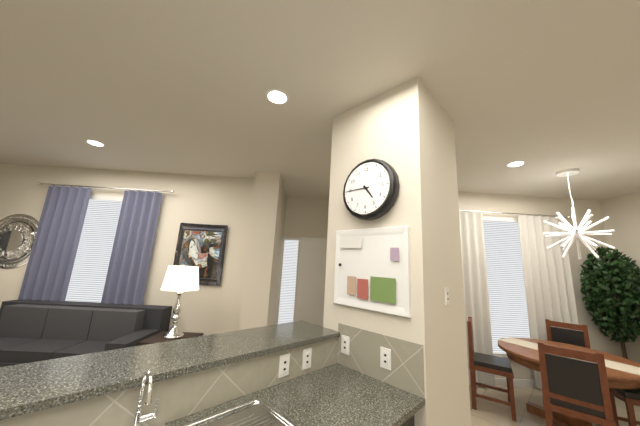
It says 4 h 45 min
